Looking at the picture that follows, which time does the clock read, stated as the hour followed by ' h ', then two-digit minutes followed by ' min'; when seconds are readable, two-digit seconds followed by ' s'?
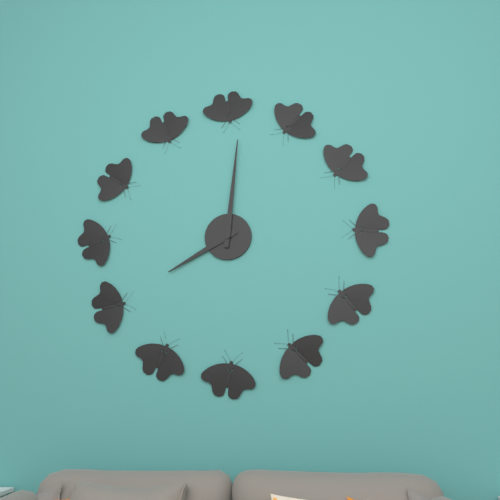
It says 8 h 01 min
